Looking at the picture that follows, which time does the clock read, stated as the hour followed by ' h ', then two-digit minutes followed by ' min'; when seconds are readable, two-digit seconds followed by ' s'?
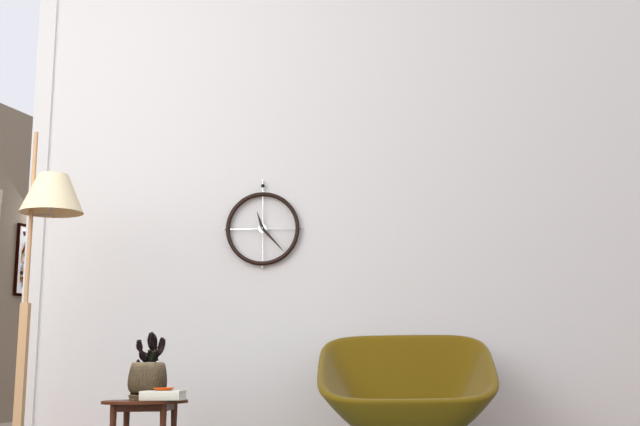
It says 11 h 23 min
